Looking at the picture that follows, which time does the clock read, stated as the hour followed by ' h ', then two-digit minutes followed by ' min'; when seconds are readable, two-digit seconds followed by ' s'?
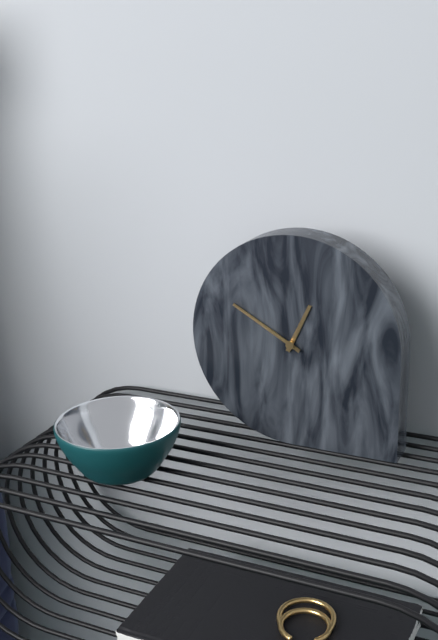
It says 12 h 50 min
